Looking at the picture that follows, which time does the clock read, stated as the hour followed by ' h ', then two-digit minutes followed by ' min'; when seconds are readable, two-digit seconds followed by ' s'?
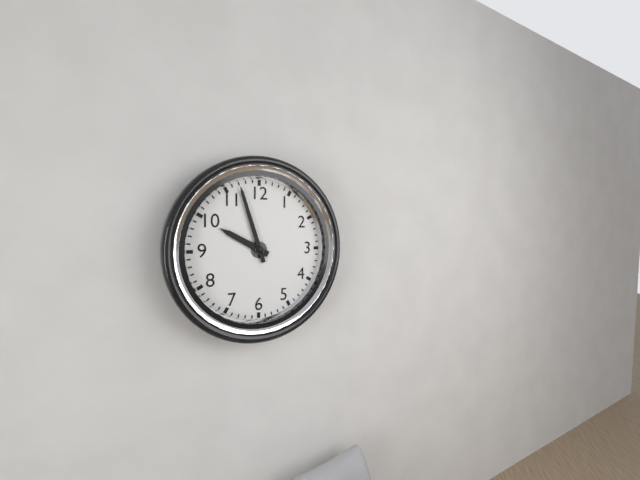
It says 9 h 57 min
